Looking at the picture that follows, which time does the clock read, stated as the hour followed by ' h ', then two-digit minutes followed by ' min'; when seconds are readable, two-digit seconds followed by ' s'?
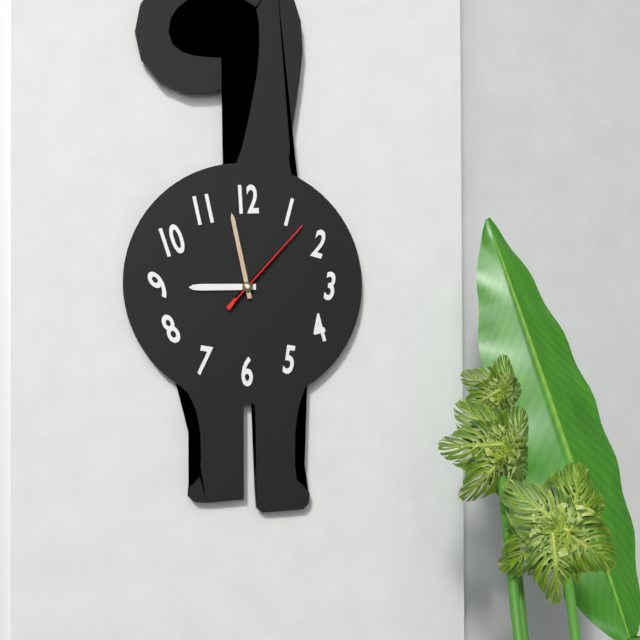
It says 8 h 58 min 07 s
